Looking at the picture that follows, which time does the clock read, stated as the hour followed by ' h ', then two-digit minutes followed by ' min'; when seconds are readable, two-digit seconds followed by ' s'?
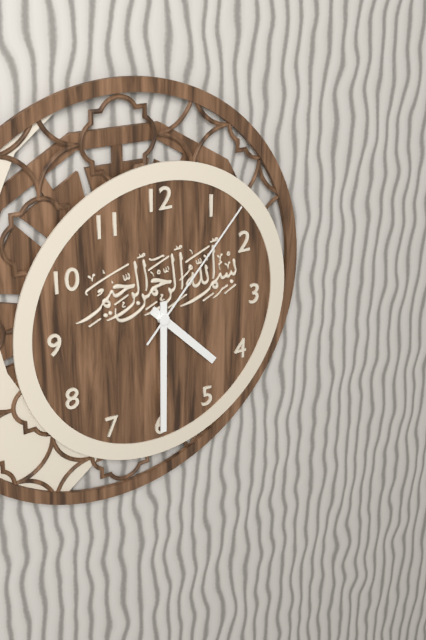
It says 4 h 30 min 07 s
